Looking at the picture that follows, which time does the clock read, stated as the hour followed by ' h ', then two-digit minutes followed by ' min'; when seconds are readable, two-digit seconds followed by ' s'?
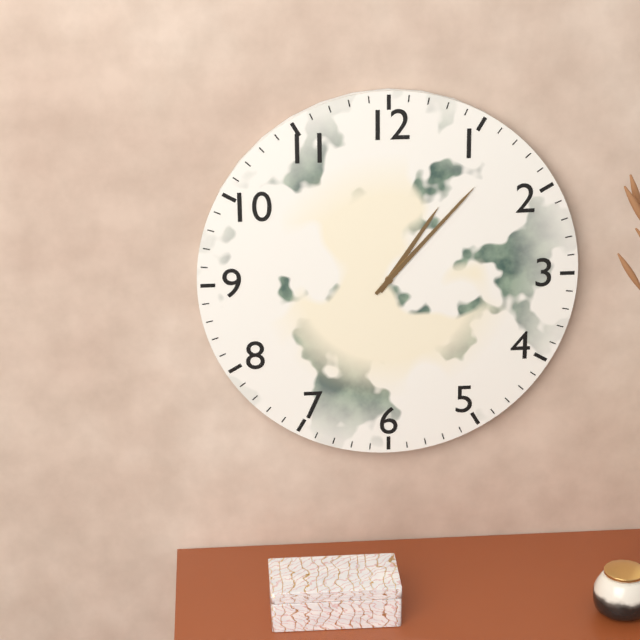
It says 1 h 07 min
